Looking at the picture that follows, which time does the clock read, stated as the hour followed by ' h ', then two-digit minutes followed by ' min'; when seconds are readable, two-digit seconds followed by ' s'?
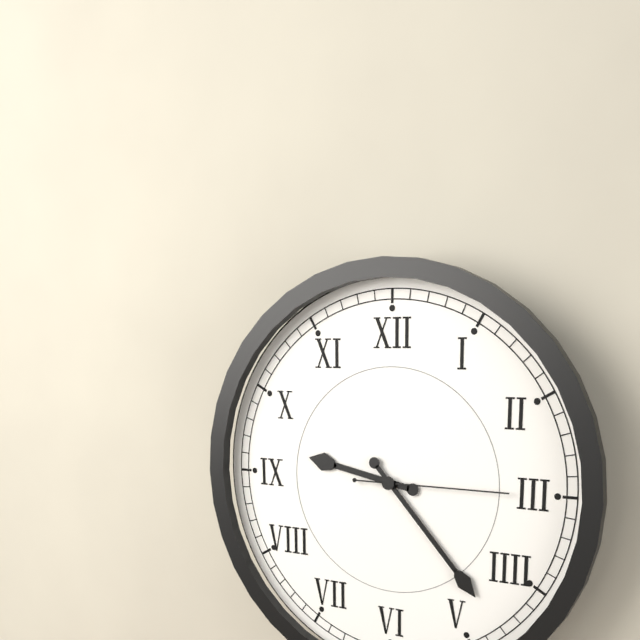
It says 9 h 23 min 15 s
